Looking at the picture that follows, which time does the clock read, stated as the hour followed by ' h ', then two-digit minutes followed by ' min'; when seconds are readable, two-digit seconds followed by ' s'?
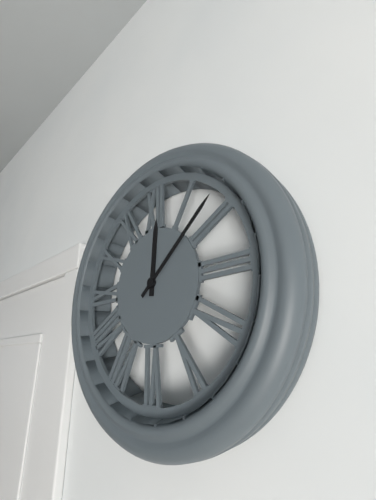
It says 12 h 08 min
